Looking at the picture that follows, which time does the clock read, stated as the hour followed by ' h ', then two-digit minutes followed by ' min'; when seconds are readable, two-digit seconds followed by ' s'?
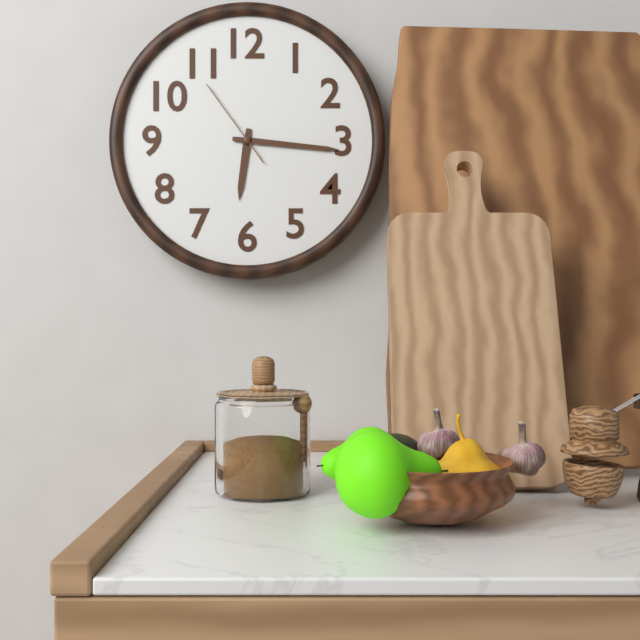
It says 6 h 16 min 54 s
